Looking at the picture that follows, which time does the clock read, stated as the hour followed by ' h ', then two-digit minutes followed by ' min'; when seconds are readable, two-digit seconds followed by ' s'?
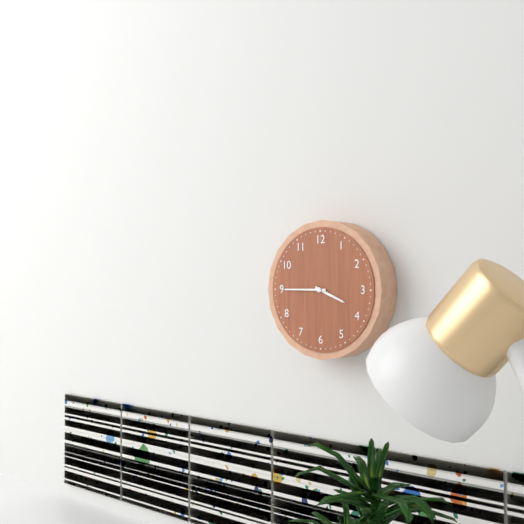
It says 3 h 45 min
